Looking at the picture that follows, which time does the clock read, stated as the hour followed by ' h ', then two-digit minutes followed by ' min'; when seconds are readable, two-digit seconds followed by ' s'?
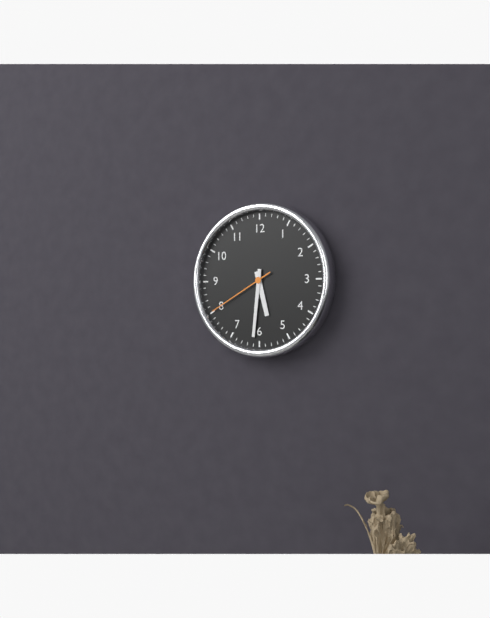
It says 5 h 31 min 40 s
